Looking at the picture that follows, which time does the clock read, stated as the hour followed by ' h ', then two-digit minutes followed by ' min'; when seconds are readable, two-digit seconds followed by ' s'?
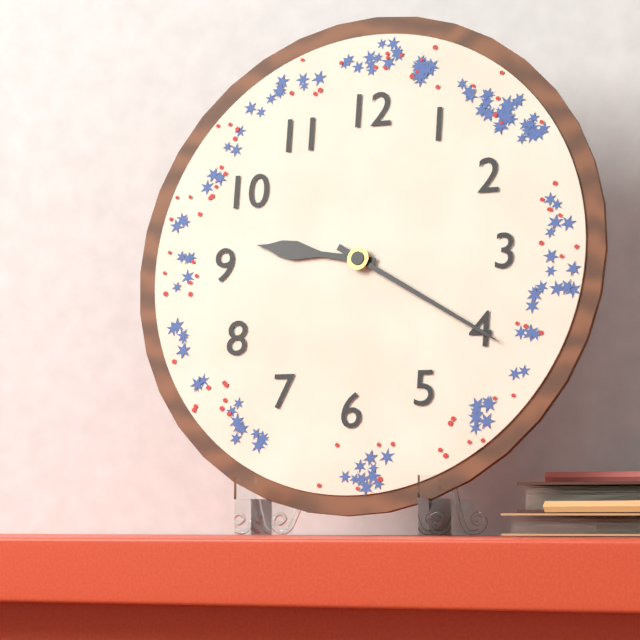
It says 9 h 20 min
